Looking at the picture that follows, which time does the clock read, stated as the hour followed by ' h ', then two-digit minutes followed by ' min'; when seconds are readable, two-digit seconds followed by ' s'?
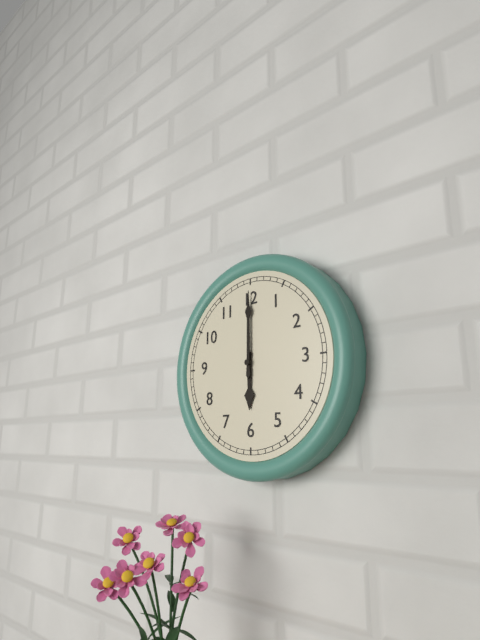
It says 6 h 00 min
